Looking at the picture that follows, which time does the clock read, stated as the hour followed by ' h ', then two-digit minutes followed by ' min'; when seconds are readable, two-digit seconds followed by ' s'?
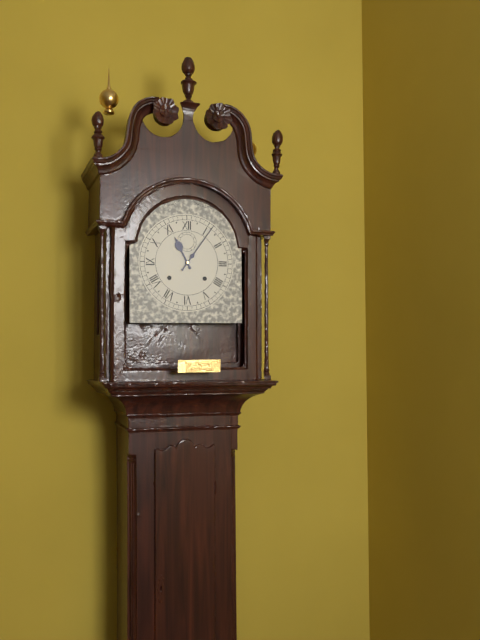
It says 11 h 06 min
